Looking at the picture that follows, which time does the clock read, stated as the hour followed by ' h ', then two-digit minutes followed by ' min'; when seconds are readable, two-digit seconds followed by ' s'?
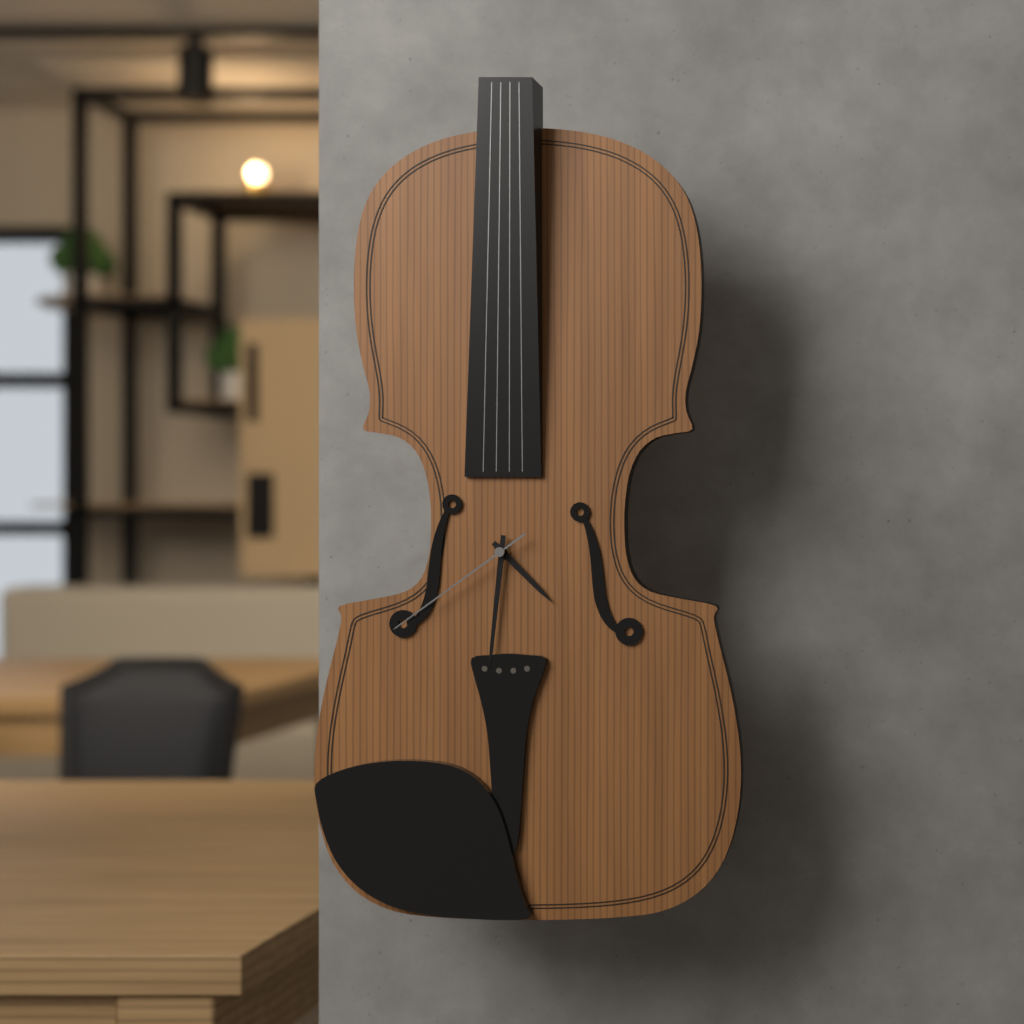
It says 4 h 31 min 39 s
